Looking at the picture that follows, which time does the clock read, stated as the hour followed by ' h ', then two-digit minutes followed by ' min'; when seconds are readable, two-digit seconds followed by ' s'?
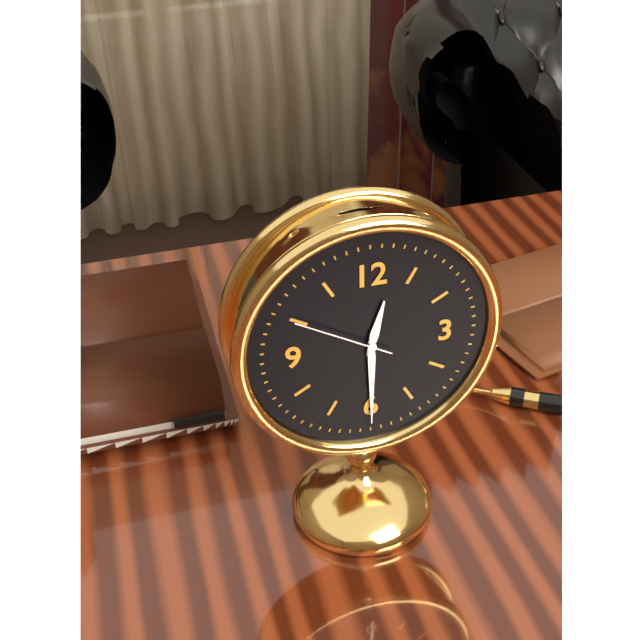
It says 12 h 30 min 50 s
